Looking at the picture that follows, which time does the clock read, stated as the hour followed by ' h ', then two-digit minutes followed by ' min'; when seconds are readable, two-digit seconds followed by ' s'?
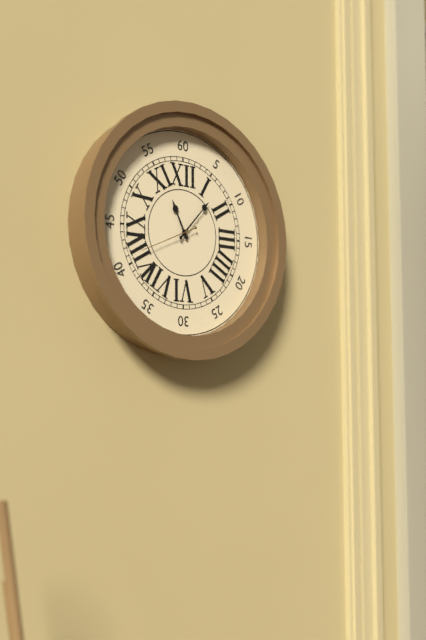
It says 11 h 07 min 41 s
